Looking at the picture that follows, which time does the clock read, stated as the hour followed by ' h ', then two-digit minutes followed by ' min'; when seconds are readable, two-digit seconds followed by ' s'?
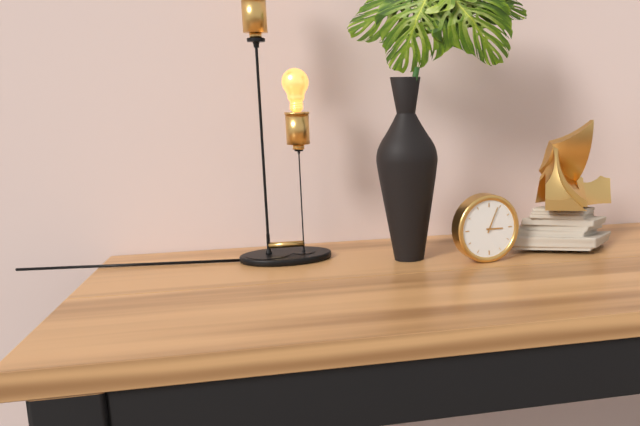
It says 3 h 04 min
